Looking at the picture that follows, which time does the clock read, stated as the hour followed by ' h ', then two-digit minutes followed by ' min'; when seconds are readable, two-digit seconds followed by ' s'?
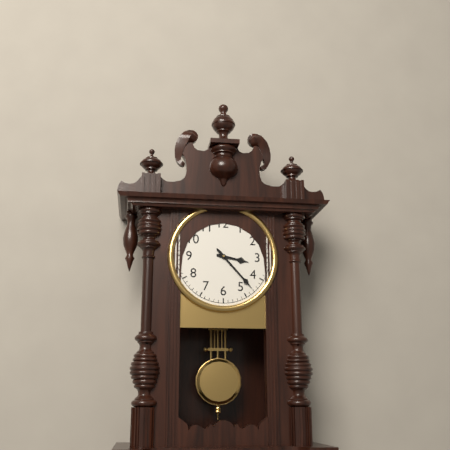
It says 3 h 23 min
